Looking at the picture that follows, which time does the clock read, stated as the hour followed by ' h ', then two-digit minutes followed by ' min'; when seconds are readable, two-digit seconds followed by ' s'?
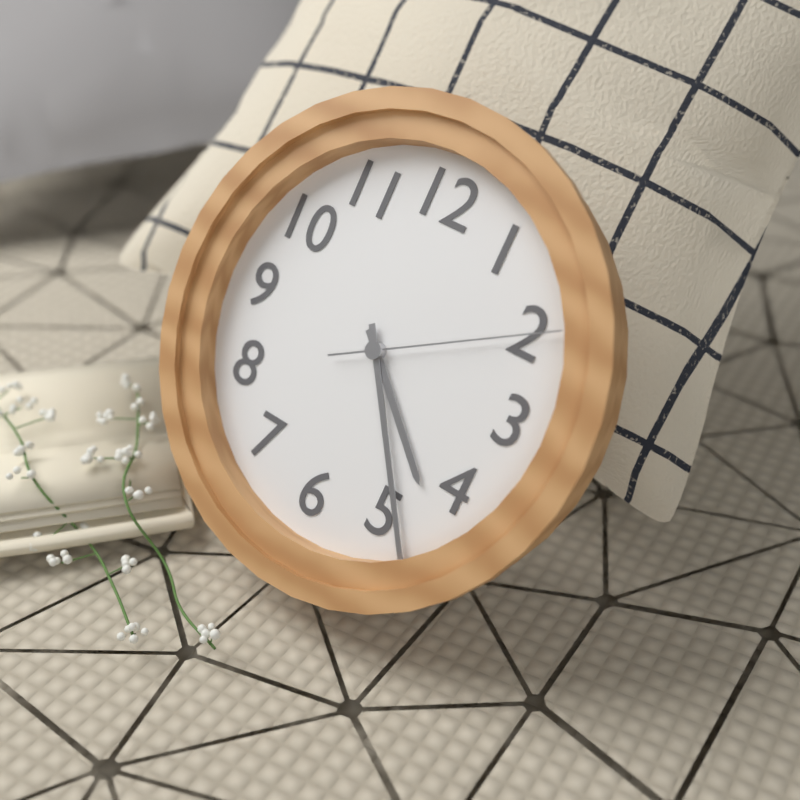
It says 4 h 24 min 10 s
